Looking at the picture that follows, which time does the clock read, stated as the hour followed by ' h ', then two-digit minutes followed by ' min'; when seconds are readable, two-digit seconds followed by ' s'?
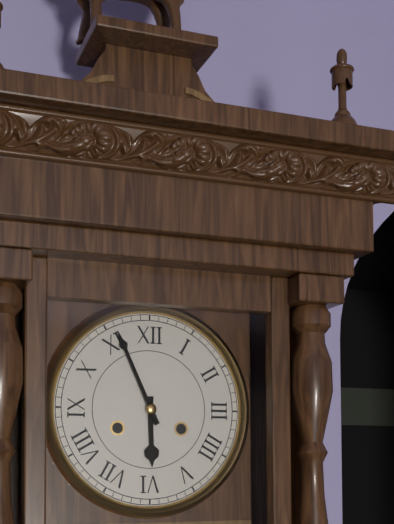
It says 5 h 56 min
